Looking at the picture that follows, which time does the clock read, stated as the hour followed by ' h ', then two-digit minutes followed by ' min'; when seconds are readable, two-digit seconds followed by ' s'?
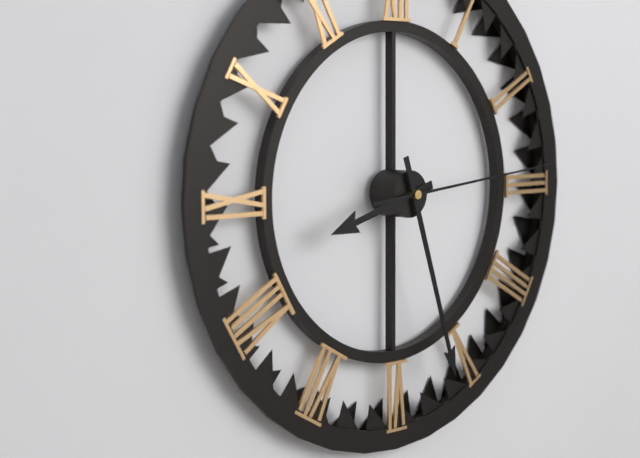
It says 8 h 27 min 14 s
